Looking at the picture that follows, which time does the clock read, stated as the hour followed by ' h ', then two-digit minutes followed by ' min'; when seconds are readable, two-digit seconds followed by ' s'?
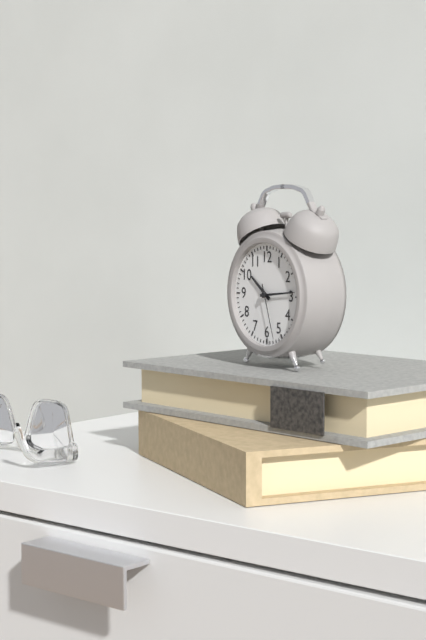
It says 10 h 14 min 27 s
